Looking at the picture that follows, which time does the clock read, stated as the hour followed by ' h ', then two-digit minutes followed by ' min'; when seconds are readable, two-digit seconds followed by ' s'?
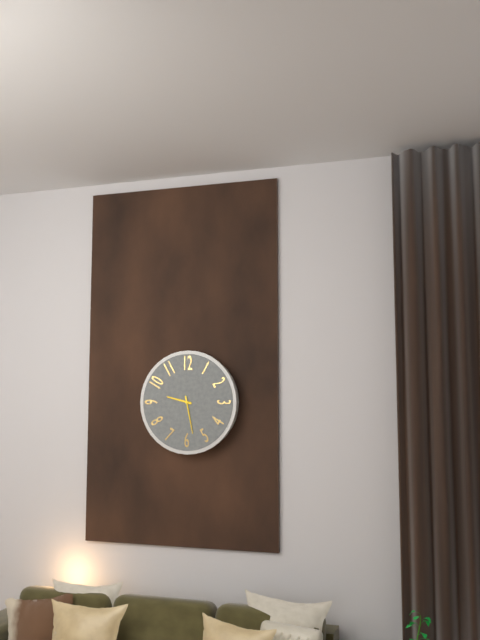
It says 9 h 28 min
